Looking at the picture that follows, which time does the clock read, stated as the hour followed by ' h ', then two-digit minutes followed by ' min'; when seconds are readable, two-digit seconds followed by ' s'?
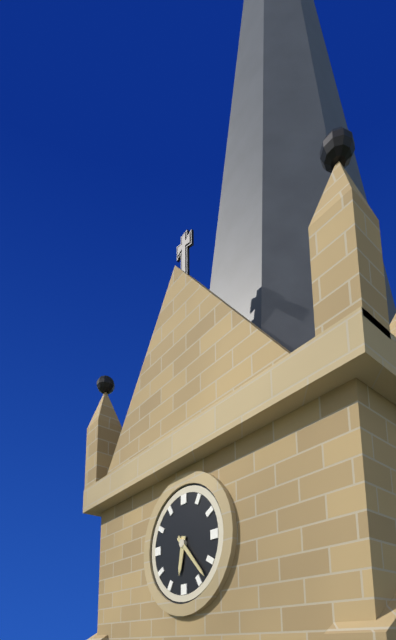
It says 6 h 23 min
